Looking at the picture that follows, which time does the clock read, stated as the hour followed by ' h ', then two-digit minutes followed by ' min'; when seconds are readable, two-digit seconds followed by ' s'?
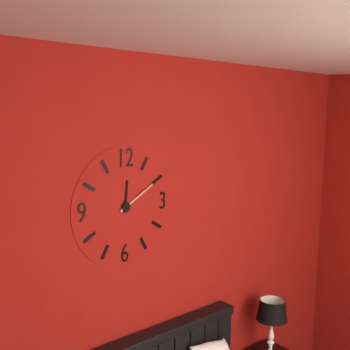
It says 12 h 10 min
